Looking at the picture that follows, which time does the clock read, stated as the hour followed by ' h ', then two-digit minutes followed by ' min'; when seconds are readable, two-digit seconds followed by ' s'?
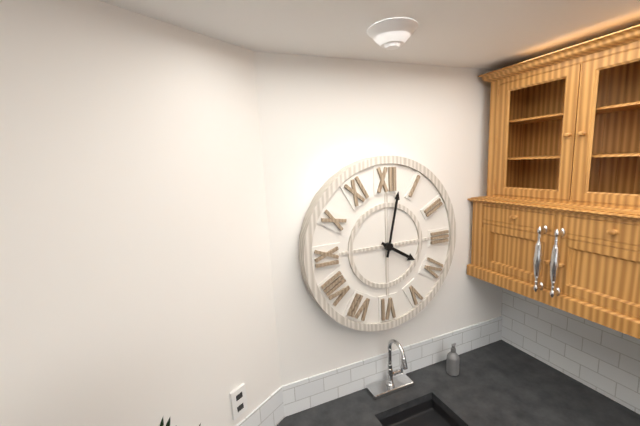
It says 4 h 02 min
